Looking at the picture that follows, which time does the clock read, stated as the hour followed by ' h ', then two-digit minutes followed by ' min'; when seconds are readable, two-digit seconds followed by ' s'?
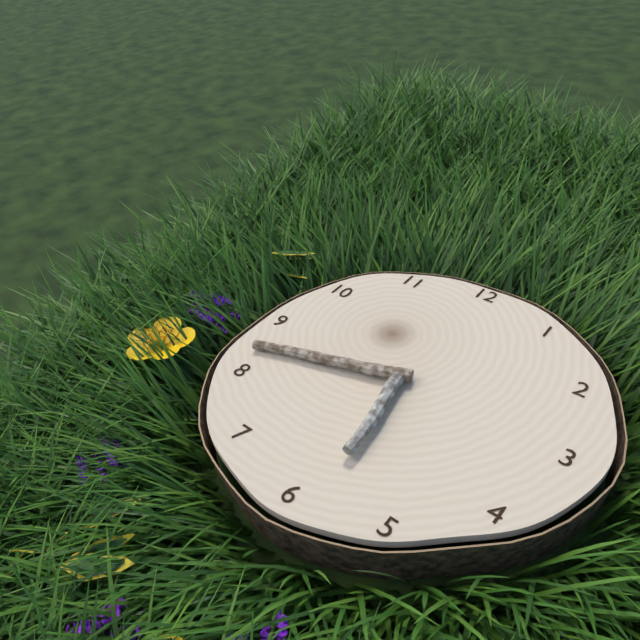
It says 5 h 42 min
